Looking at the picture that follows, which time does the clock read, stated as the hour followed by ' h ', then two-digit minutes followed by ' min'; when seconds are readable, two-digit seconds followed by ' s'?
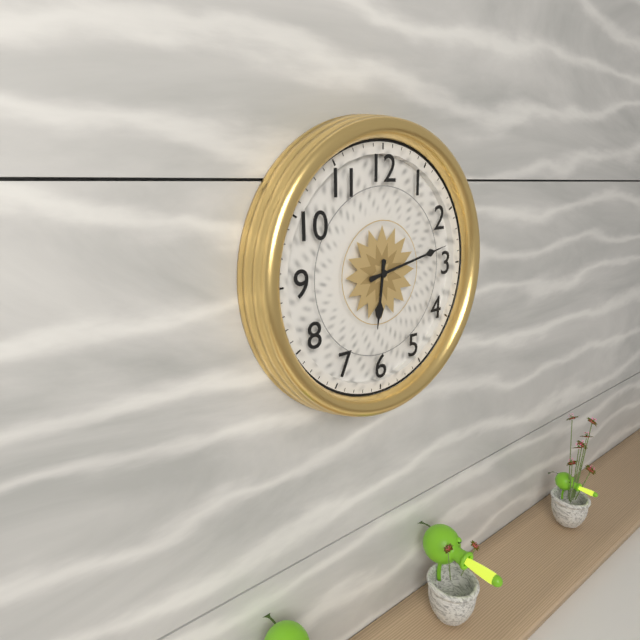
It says 6 h 13 min
